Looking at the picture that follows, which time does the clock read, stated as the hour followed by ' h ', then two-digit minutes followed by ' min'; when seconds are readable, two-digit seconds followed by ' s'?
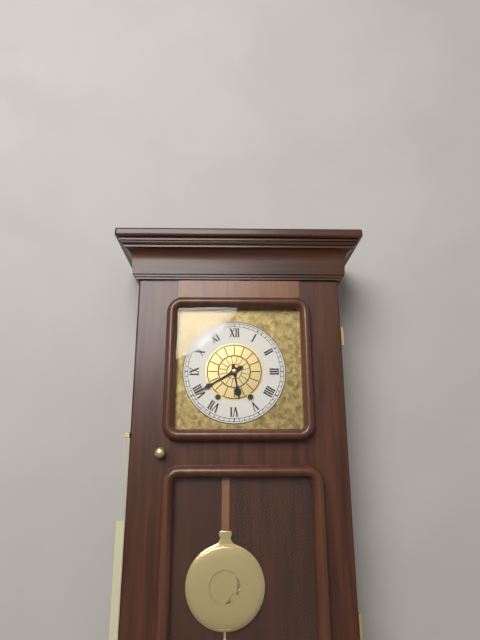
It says 5 h 40 min
